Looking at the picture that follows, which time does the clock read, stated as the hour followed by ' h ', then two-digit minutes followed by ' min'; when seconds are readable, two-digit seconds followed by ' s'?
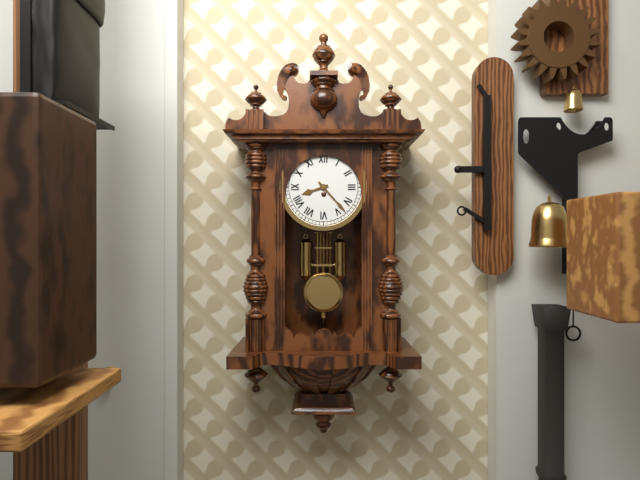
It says 8 h 23 min
